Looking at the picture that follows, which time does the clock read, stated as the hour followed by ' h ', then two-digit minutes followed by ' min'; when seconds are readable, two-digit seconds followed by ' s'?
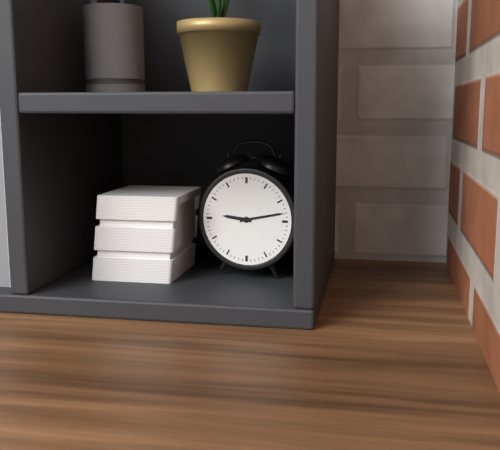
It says 9 h 13 min
